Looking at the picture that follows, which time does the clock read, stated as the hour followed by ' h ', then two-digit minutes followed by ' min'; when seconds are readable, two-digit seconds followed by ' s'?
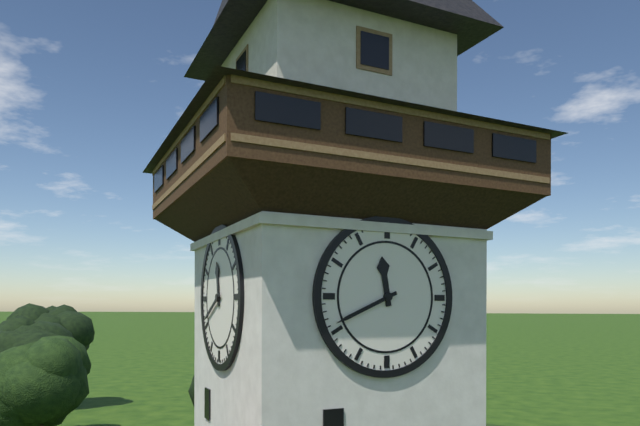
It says 11 h 41 min
